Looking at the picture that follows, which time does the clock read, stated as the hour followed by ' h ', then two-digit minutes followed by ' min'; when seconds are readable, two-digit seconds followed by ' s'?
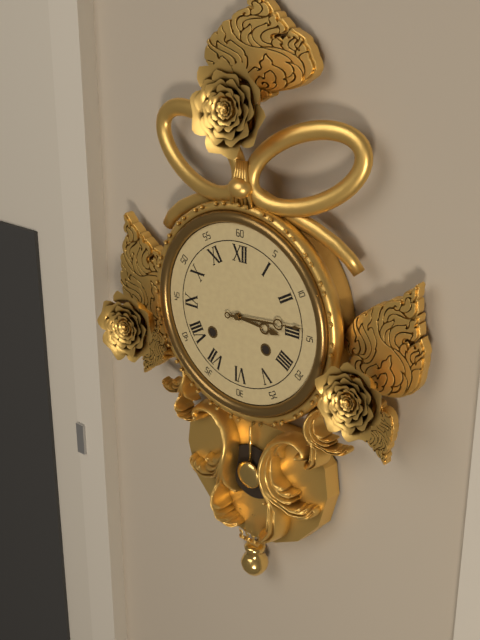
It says 3 h 14 min
